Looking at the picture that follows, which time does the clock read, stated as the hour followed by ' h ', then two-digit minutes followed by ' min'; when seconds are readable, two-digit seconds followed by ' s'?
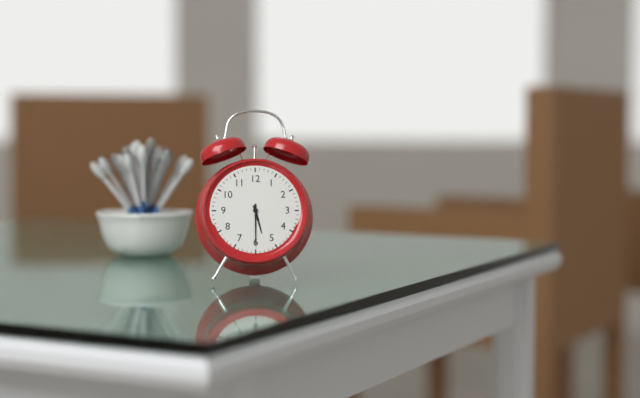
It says 5 h 30 min
